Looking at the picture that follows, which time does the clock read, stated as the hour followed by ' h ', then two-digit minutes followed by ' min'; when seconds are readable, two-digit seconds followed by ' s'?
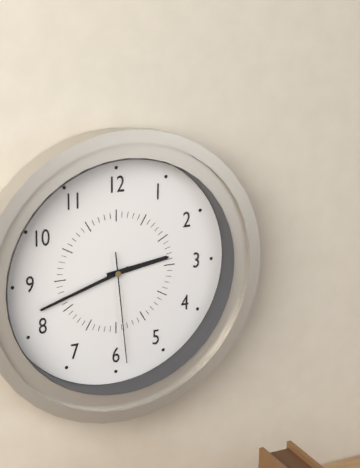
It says 2 h 42 min 29 s
